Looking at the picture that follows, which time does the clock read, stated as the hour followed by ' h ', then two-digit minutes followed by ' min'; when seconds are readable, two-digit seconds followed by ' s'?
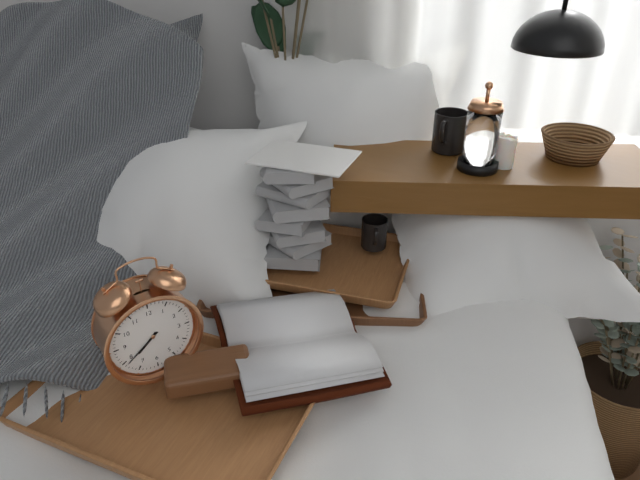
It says 7 h 39 min
